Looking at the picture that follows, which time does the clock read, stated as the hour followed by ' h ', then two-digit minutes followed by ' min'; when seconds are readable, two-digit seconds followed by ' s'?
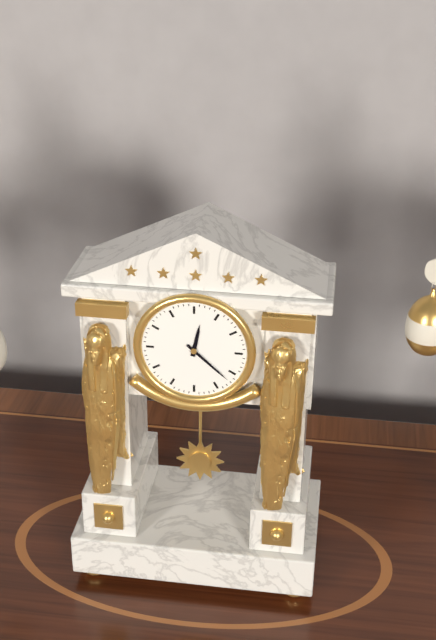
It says 12 h 22 min
